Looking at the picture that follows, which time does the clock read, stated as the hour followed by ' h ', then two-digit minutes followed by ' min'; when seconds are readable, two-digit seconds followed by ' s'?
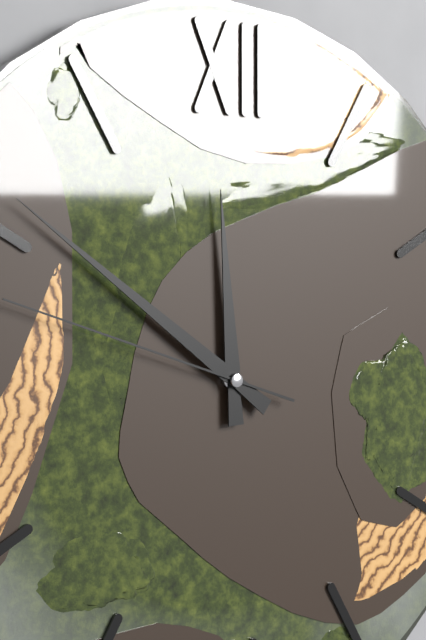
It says 11 h 51 min 48 s
